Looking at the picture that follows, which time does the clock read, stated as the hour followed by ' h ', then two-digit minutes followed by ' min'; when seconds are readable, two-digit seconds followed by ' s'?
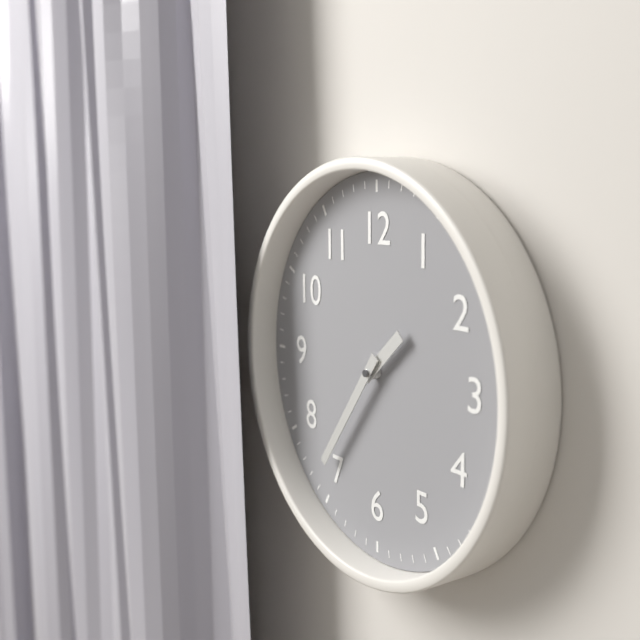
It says 1 h 36 min
